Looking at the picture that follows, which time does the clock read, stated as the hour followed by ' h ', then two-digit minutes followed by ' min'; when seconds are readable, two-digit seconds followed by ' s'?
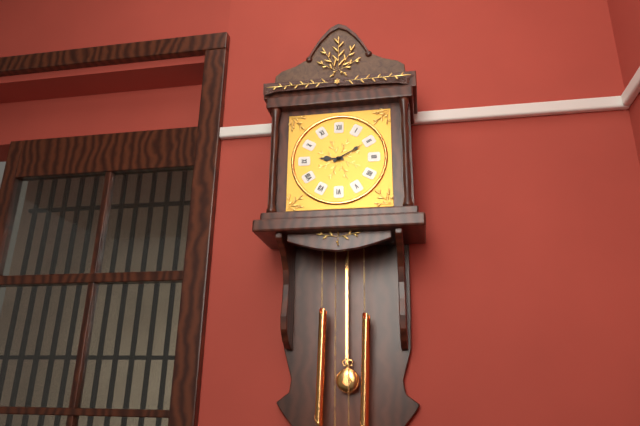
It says 9 h 10 min
